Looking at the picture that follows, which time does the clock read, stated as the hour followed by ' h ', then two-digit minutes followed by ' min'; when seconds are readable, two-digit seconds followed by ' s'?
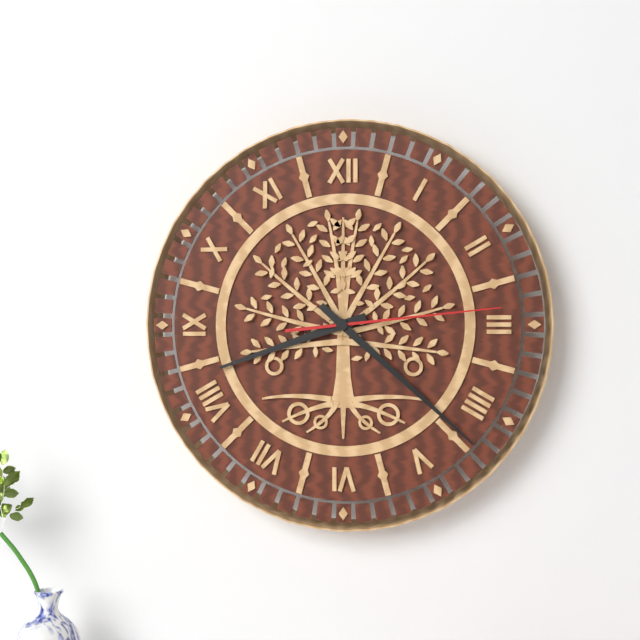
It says 8 h 22 min 14 s
